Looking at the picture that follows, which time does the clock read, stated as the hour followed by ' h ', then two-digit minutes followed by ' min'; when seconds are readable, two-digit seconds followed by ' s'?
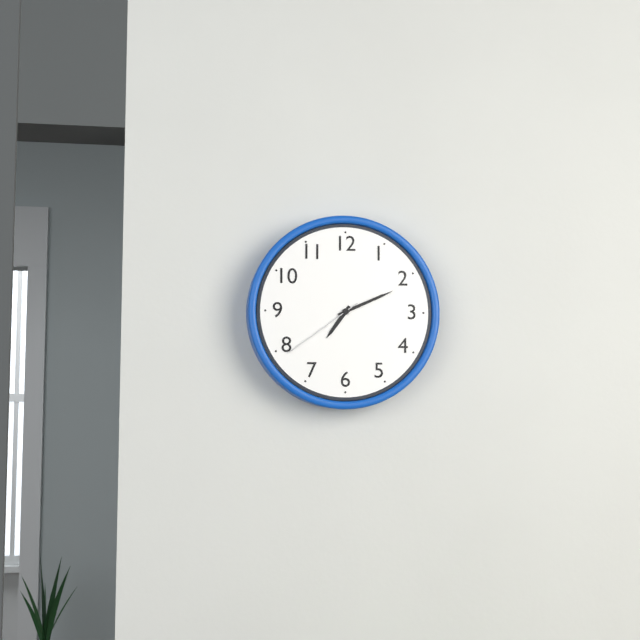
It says 7 h 11 min 39 s
